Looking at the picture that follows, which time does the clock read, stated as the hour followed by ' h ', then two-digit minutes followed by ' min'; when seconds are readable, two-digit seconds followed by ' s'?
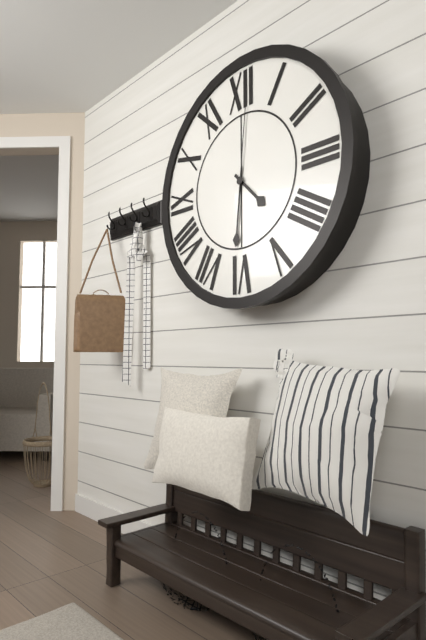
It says 4 h 31 min 01 s
